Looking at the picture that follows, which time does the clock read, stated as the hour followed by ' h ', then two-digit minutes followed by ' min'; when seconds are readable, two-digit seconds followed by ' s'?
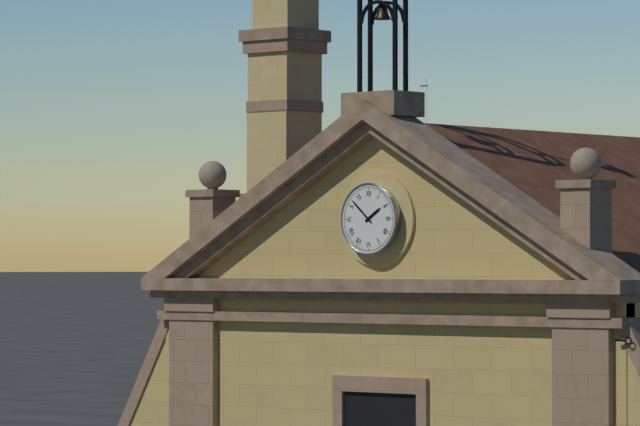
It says 1 h 52 min
